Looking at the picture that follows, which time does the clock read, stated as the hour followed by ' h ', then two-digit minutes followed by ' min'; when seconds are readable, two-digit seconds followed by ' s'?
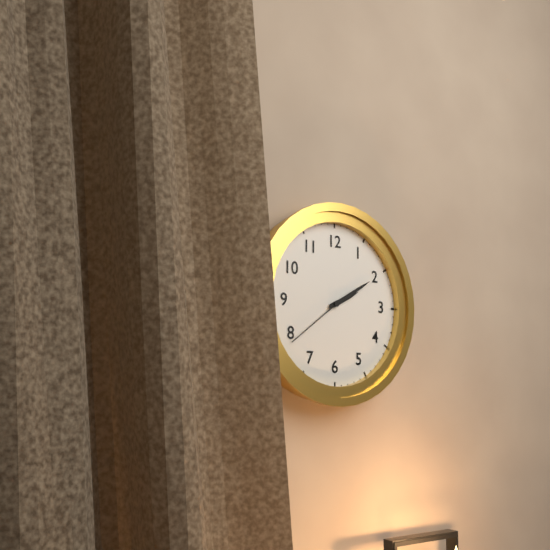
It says 2 h 10 min 39 s
